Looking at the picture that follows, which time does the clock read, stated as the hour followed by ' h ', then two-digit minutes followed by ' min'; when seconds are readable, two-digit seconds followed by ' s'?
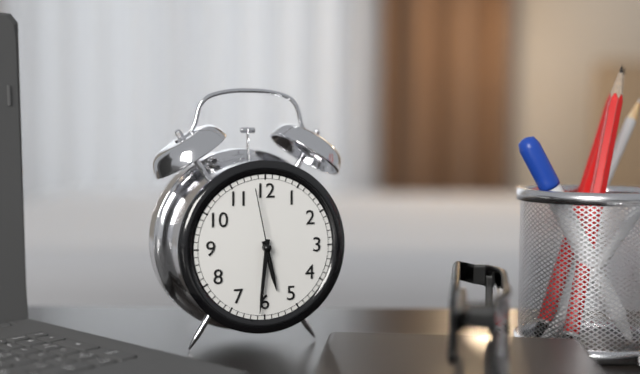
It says 5 h 31 min 58 s
